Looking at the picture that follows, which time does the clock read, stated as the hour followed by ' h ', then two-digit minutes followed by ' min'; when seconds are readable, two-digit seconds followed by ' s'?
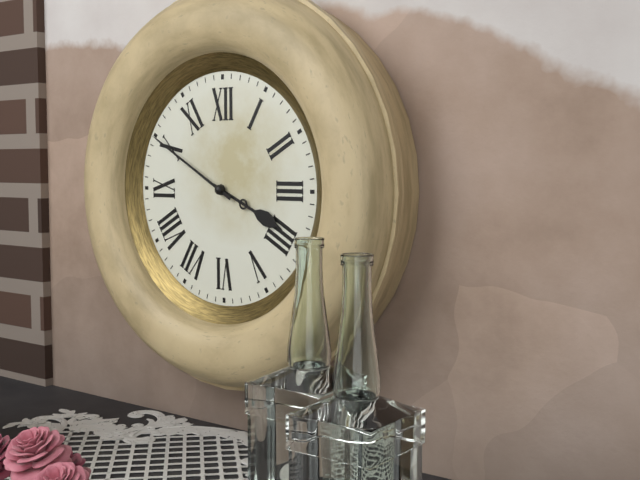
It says 3 h 50 min
